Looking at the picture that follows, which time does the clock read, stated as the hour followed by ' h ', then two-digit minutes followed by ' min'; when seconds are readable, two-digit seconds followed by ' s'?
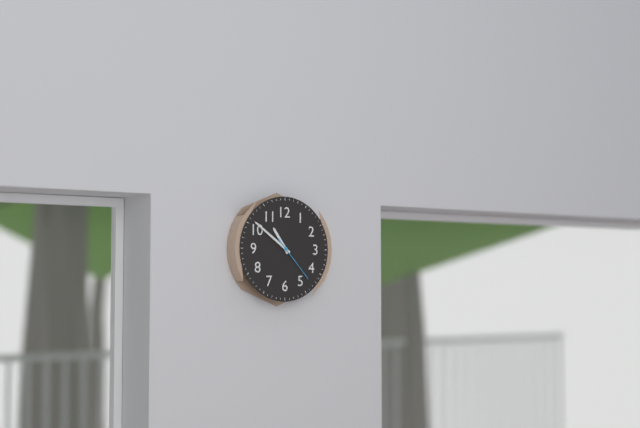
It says 10 h 51 min
